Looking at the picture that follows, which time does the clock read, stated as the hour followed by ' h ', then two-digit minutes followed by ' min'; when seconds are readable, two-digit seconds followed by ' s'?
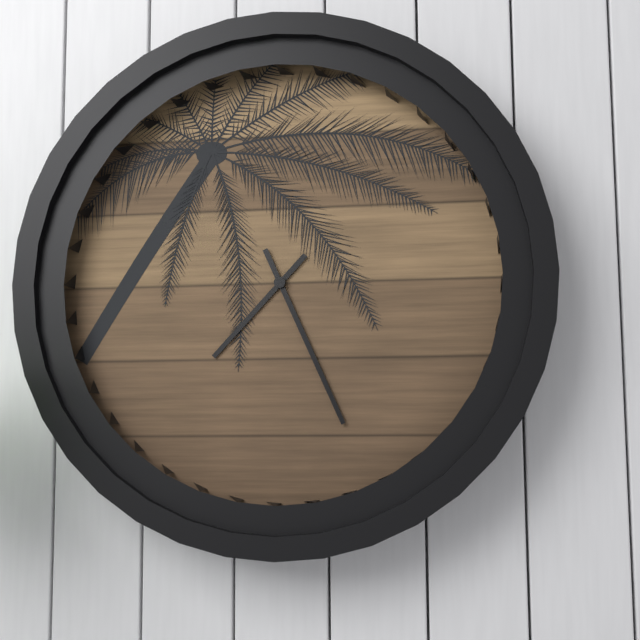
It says 7 h 26 min
